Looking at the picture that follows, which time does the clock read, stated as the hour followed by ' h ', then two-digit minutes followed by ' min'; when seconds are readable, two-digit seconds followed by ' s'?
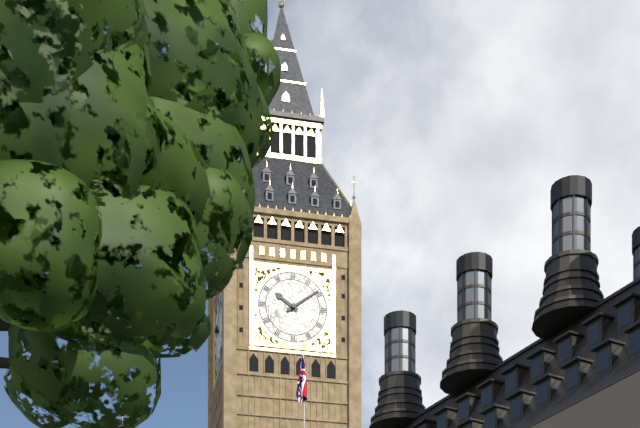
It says 10 h 09 min
